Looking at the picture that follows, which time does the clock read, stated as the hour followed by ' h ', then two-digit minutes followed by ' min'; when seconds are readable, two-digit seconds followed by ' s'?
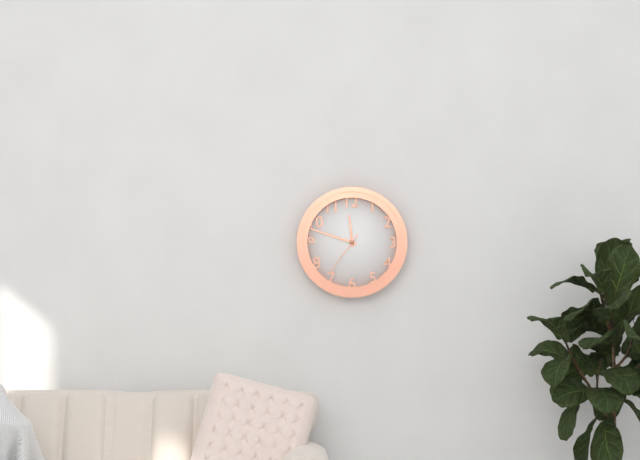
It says 11 h 48 min 36 s
